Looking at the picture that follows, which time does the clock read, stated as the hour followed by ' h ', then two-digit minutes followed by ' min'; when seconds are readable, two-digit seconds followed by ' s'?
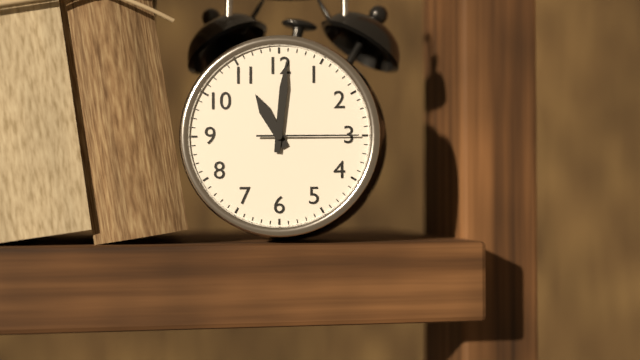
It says 11 h 01 min 15 s
